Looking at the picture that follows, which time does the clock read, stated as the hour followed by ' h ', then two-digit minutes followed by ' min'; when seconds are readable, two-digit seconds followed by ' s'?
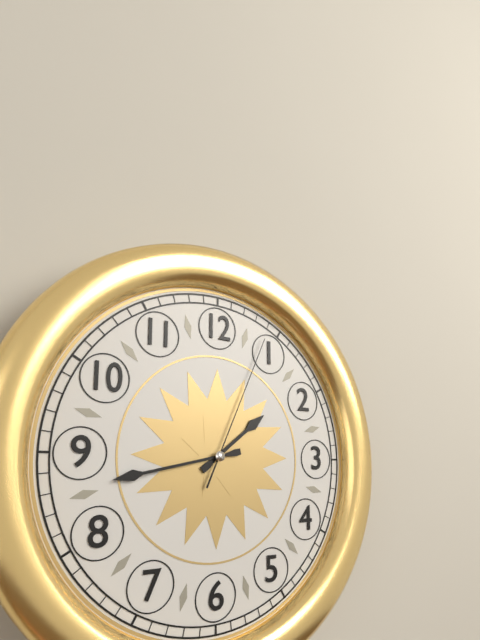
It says 1 h 43 min 04 s
